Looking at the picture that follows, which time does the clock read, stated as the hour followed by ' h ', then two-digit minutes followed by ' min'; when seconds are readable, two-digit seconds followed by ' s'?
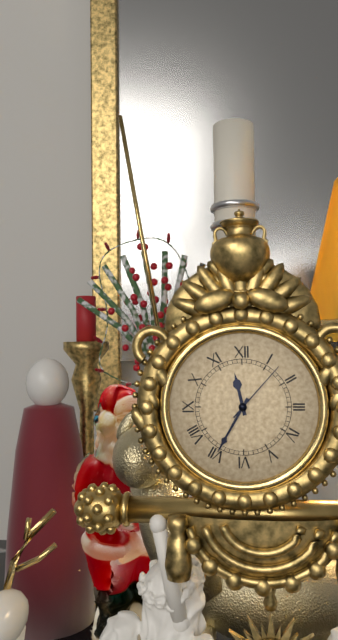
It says 11 h 35 min 07 s
